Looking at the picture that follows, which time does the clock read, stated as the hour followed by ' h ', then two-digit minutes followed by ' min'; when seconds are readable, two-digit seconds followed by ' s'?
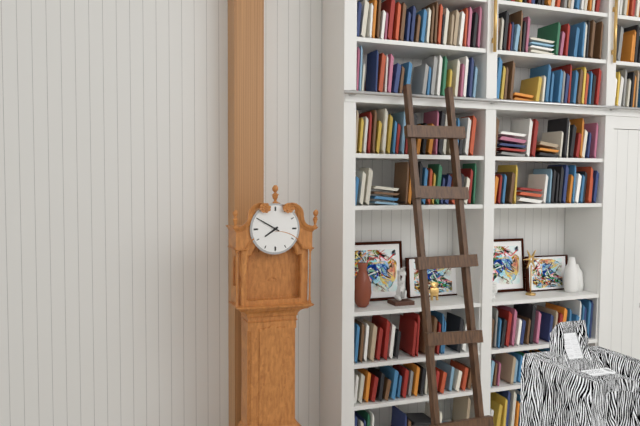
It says 7 h 50 min
